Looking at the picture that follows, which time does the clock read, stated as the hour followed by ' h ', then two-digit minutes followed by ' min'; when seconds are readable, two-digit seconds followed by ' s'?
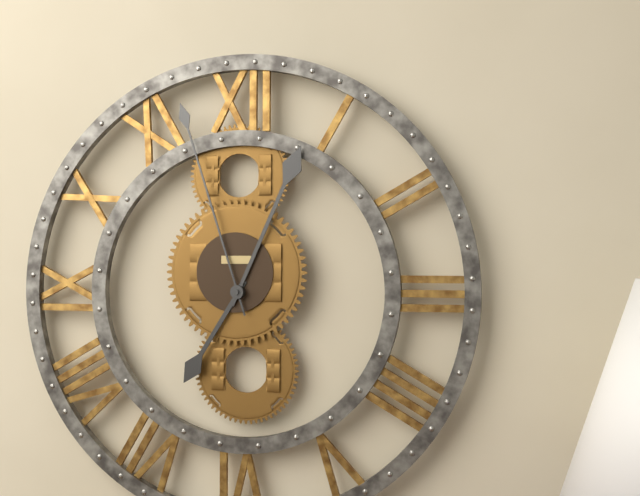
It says 7 h 04 min 57 s
